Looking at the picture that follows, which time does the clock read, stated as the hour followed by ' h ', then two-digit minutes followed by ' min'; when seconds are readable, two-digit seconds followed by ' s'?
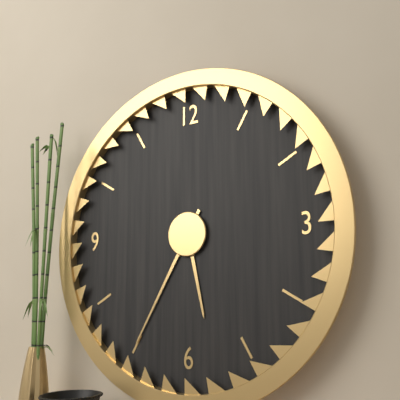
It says 5 h 35 min
